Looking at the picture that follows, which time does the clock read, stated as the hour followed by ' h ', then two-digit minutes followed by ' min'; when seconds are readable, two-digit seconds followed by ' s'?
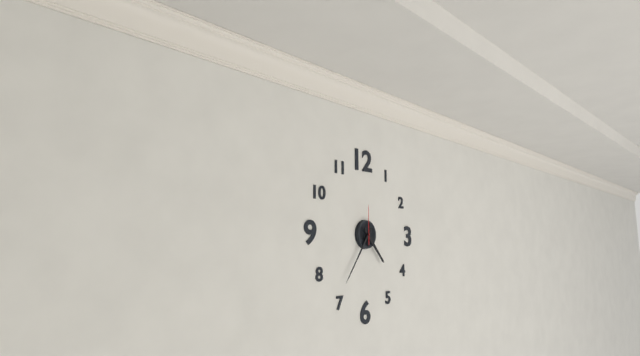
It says 4 h 36 min
